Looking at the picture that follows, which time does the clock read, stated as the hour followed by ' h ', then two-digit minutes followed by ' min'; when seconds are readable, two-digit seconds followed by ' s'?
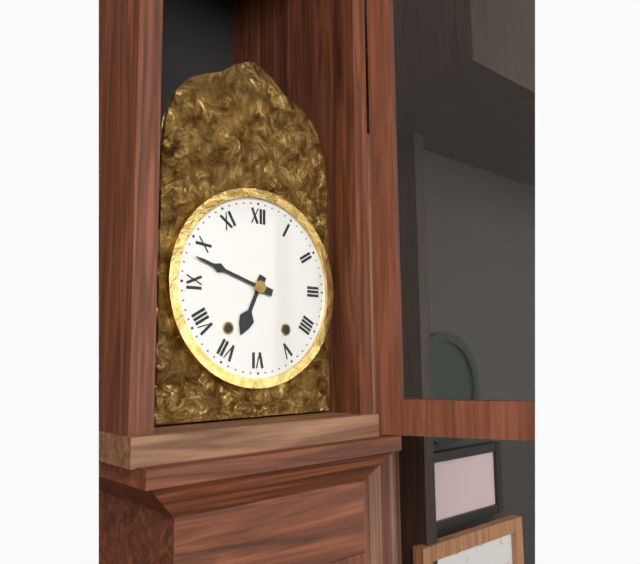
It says 6 h 48 min
